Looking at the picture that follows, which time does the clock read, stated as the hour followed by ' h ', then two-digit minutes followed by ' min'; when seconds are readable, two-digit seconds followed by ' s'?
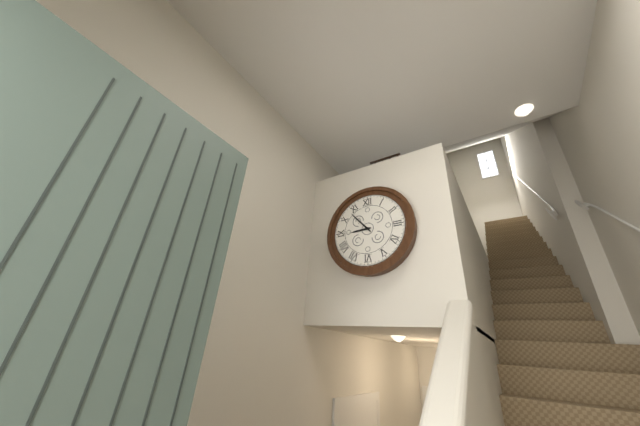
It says 8 h 53 min
